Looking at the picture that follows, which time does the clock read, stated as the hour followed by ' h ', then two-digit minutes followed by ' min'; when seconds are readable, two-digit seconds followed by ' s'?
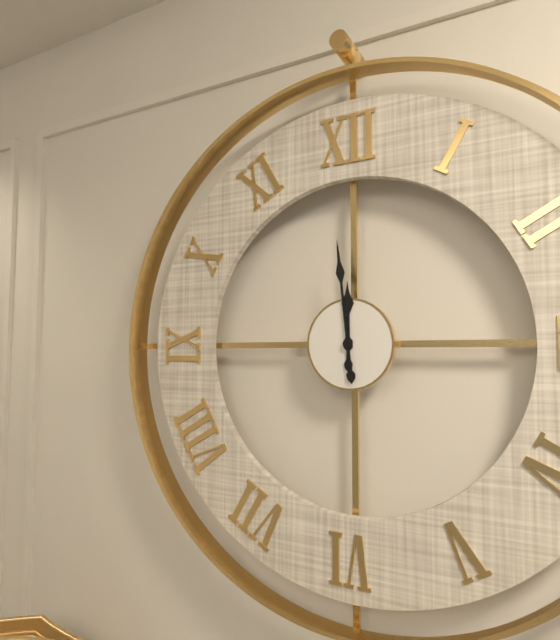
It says 11 h 59 min
